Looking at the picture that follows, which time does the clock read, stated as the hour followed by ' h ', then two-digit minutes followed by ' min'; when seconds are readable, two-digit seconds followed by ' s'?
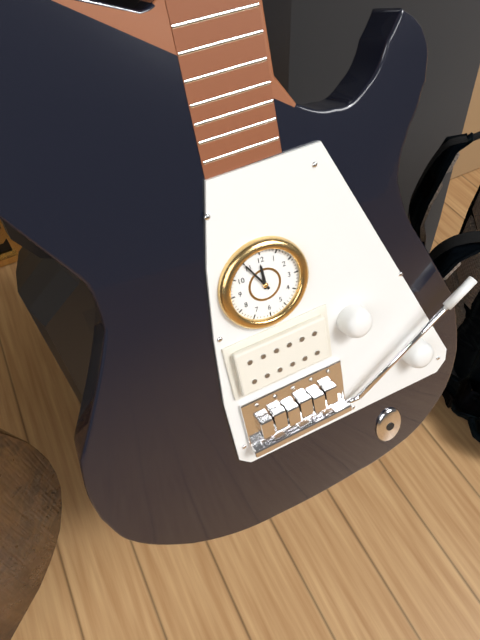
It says 11 h 55 min
